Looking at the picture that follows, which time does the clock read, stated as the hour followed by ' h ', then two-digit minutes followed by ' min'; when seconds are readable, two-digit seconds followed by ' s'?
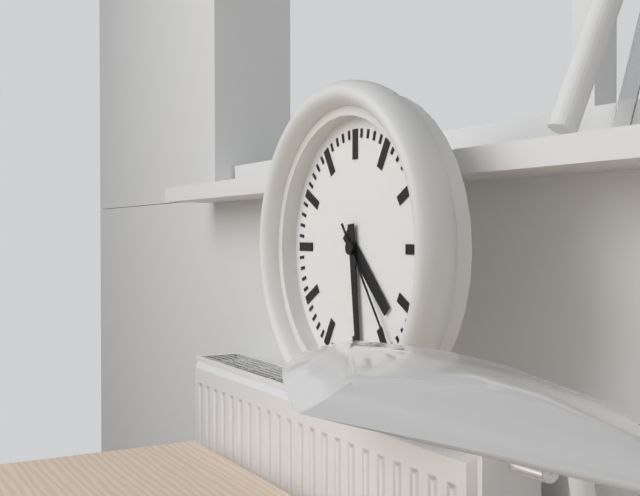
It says 4 h 29 min 24 s
